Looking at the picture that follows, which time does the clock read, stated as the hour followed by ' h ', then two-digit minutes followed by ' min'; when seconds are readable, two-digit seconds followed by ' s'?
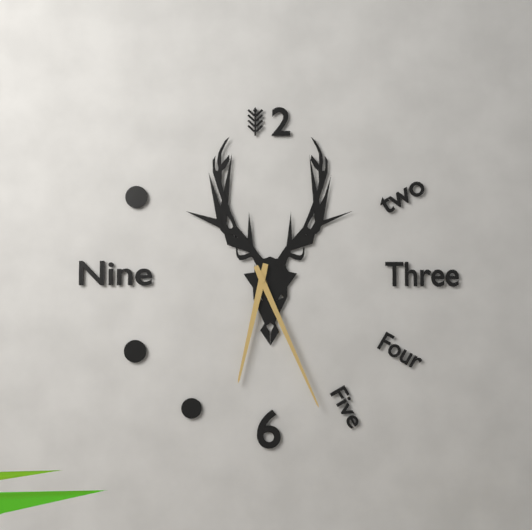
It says 6 h 26 min
